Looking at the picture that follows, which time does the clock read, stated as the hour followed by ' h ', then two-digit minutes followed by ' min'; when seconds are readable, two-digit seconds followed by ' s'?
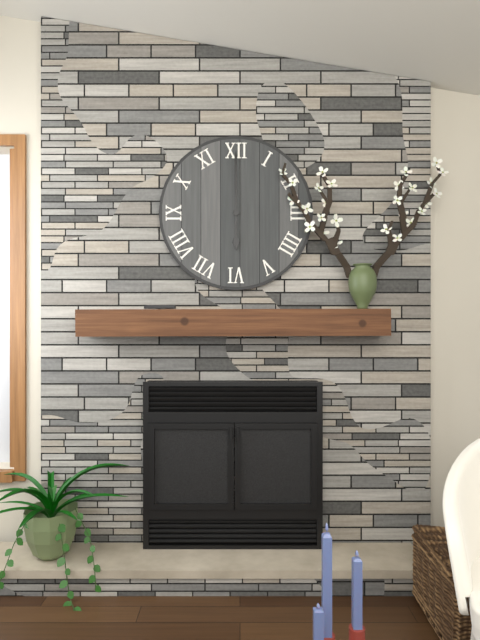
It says 6 h 00 min
